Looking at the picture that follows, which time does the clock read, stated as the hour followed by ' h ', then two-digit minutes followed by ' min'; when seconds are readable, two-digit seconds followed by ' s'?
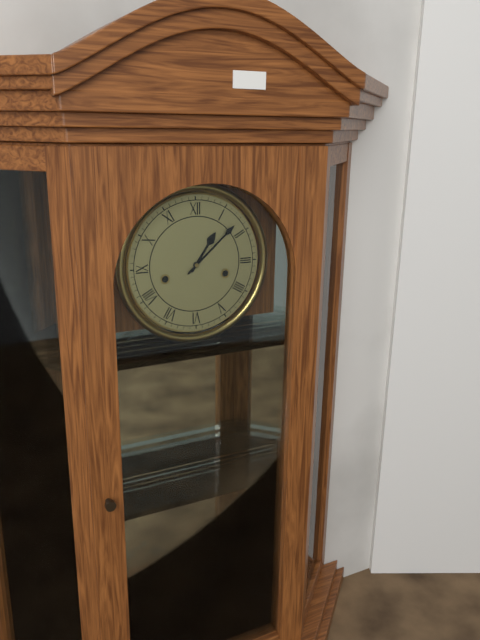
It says 1 h 08 min
